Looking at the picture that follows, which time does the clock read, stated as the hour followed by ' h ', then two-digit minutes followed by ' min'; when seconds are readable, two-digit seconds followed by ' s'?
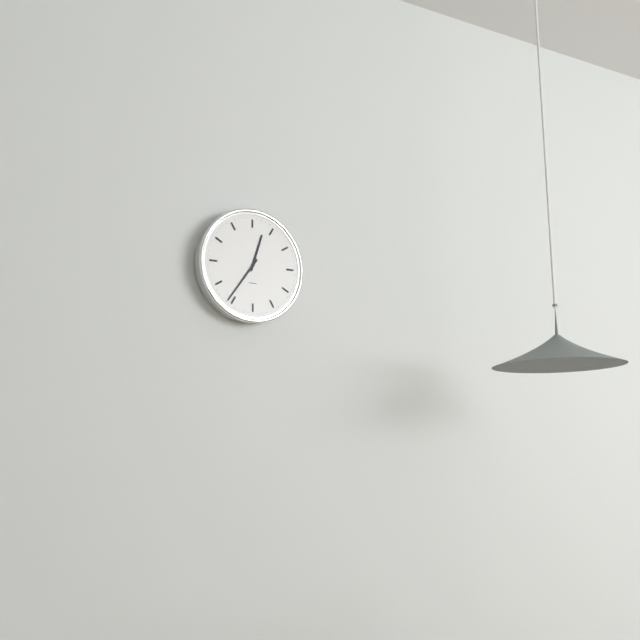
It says 12 h 36 min
